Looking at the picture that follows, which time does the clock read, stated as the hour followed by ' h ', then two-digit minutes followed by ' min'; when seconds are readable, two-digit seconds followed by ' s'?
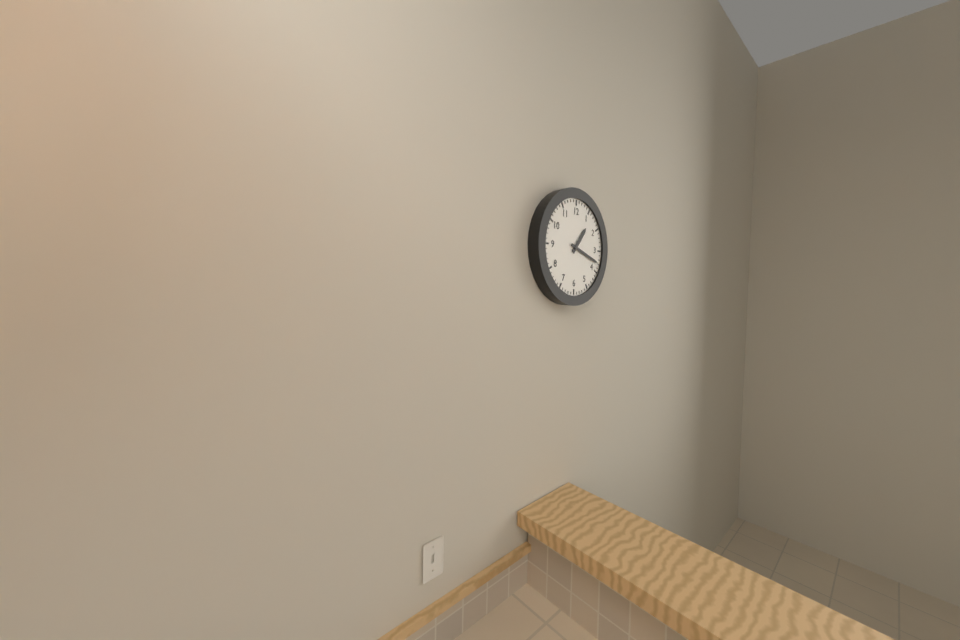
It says 1 h 18 min
